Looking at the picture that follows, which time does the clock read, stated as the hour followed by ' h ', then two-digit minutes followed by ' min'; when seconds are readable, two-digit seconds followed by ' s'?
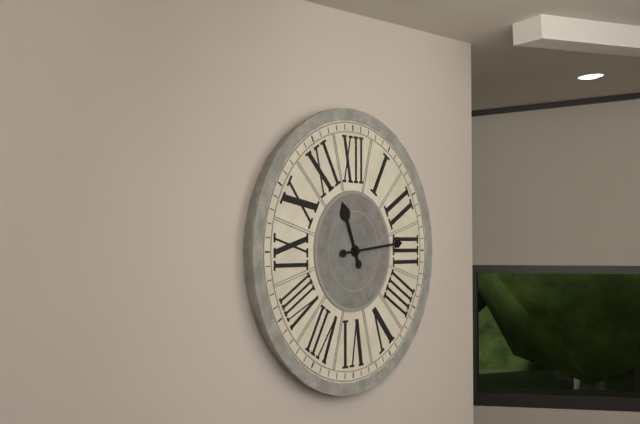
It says 11 h 14 min
